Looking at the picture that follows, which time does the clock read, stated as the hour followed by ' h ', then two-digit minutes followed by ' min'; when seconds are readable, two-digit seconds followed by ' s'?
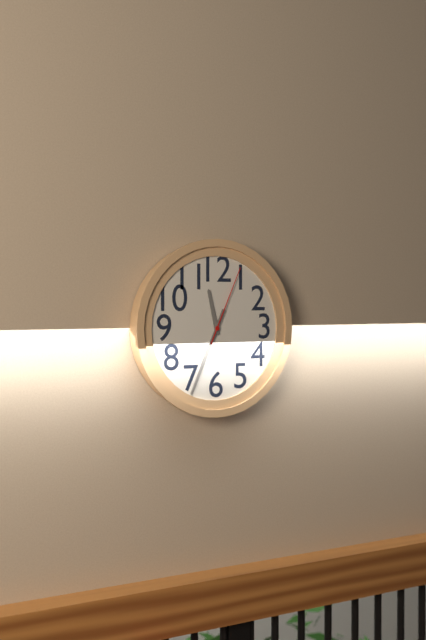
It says 11 h 34 min 04 s
